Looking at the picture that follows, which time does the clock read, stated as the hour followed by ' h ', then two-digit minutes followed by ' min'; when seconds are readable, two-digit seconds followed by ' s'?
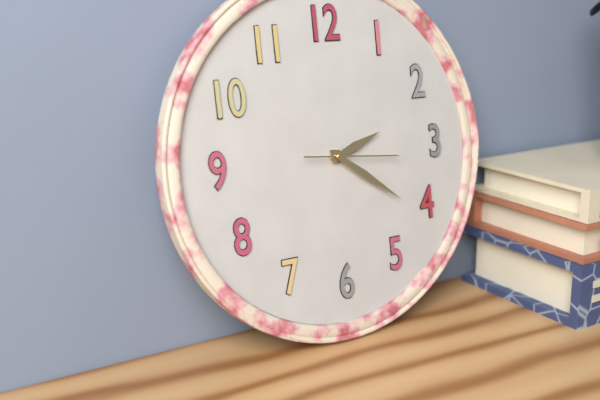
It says 2 h 21 min 16 s
